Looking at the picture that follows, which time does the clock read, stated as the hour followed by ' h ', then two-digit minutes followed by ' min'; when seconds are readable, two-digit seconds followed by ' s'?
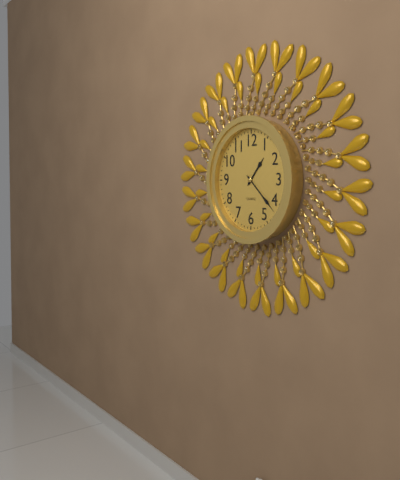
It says 1 h 22 min
